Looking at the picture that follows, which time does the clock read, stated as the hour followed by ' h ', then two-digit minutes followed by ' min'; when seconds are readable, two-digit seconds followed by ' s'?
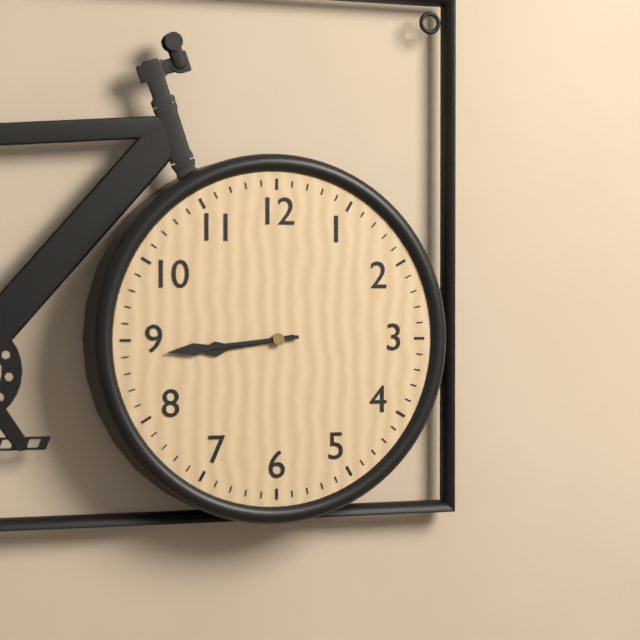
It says 8 h 44 min
